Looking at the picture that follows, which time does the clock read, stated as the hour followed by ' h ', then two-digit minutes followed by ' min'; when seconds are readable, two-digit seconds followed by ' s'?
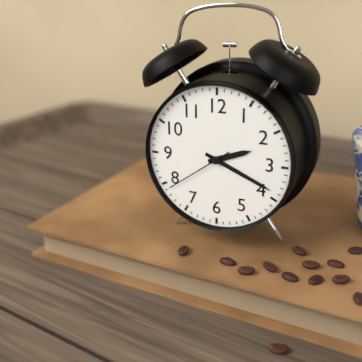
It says 2 h 19 min 39 s
